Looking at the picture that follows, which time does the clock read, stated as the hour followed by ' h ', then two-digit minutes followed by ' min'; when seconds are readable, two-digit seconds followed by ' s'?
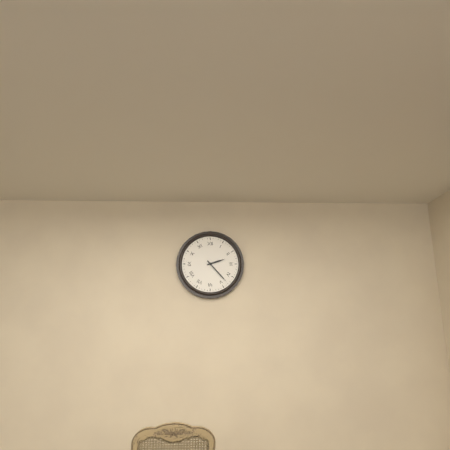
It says 2 h 23 min
